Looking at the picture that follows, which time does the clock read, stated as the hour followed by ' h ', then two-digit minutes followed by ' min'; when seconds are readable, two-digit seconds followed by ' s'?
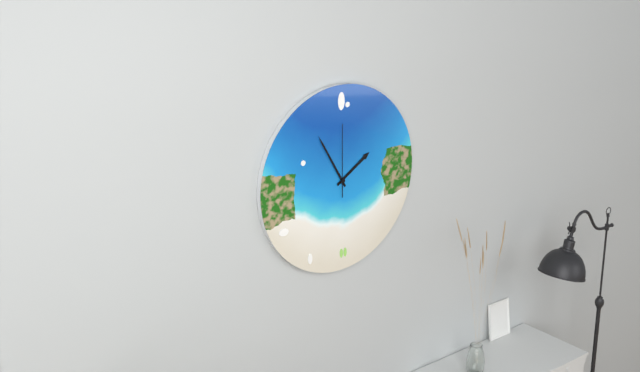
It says 1 h 55 min 00 s
